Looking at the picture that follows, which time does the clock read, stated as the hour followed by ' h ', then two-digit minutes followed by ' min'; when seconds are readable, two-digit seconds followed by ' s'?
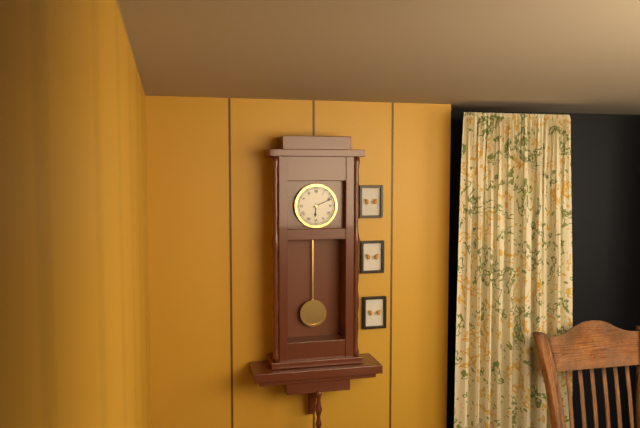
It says 6 h 11 min
